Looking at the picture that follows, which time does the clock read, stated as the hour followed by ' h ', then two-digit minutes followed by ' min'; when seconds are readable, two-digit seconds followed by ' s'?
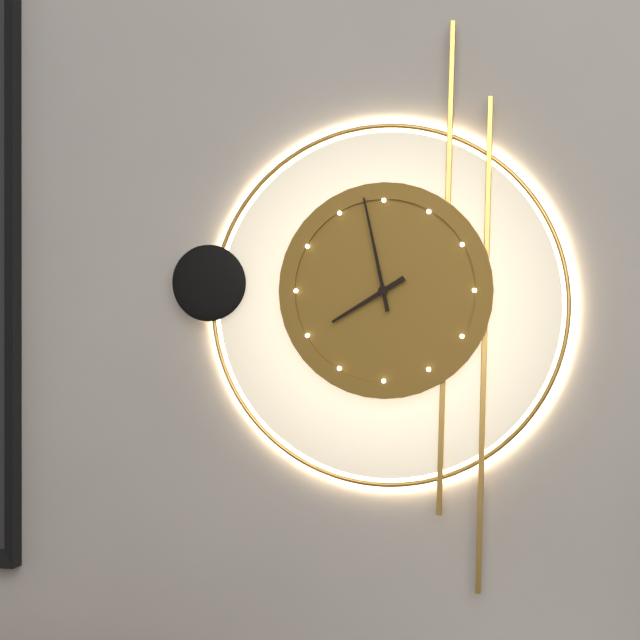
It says 7 h 58 min
